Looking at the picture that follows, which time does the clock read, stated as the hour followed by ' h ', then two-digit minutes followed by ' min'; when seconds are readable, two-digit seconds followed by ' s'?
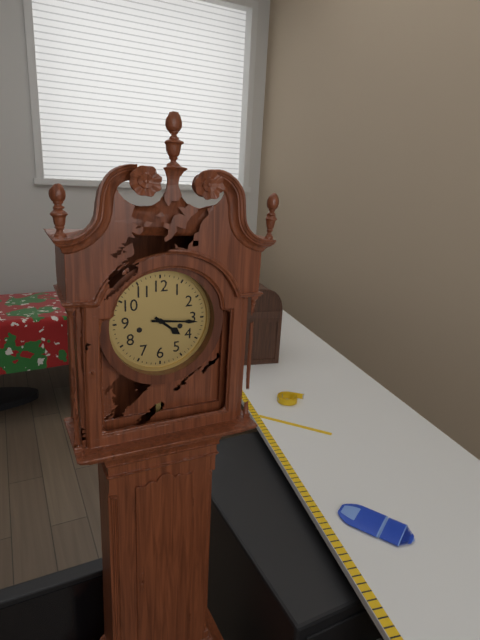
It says 4 h 16 min
